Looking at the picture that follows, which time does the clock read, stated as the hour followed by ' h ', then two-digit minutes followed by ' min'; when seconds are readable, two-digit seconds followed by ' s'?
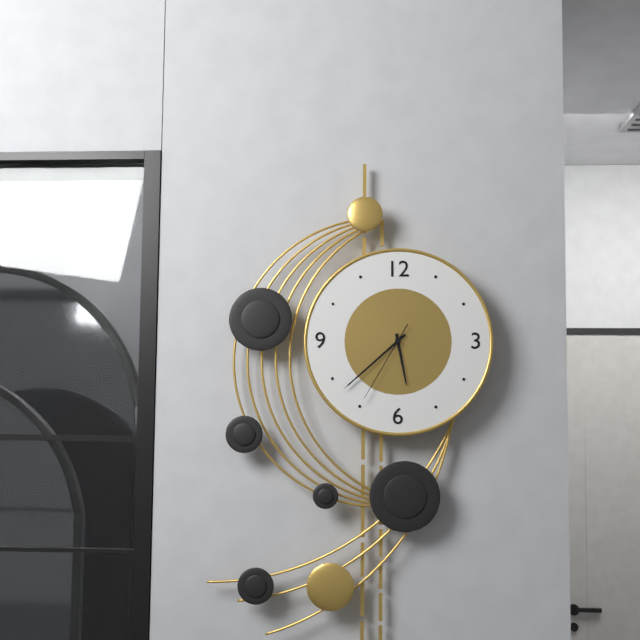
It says 5 h 38 min 35 s
